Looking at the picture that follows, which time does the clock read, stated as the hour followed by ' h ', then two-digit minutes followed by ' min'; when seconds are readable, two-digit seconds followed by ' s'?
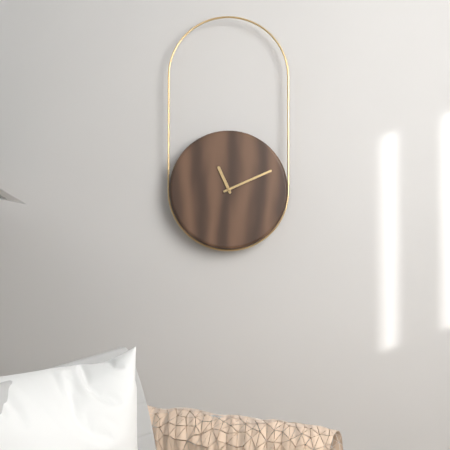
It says 11 h 11 min
